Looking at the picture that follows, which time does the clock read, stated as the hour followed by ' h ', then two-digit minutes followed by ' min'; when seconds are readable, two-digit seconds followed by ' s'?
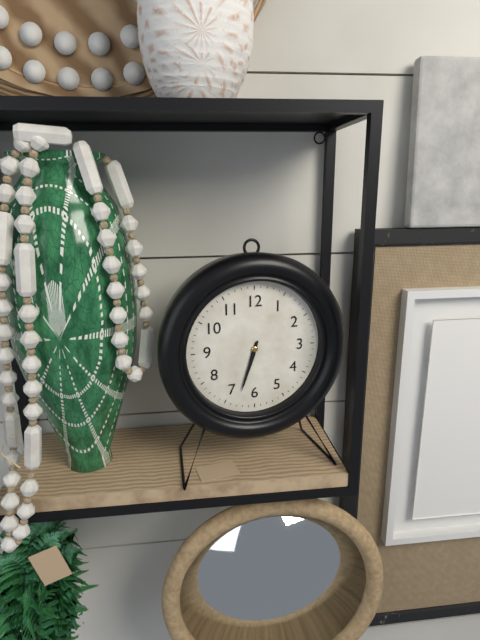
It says 6 h 33 min
